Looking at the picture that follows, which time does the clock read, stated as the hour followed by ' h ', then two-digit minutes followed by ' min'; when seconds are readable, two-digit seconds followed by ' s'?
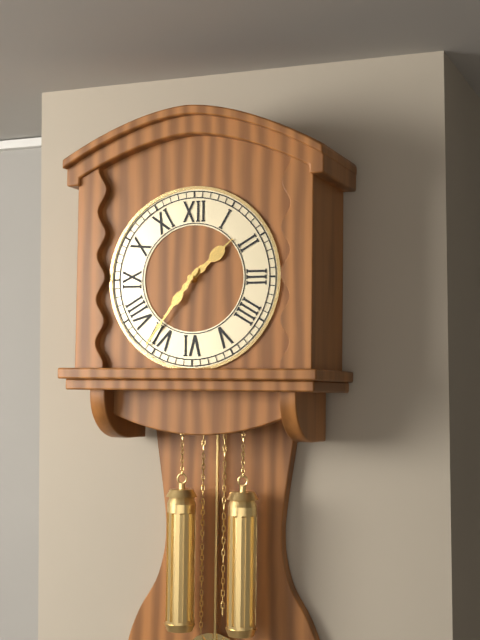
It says 1 h 36 min
